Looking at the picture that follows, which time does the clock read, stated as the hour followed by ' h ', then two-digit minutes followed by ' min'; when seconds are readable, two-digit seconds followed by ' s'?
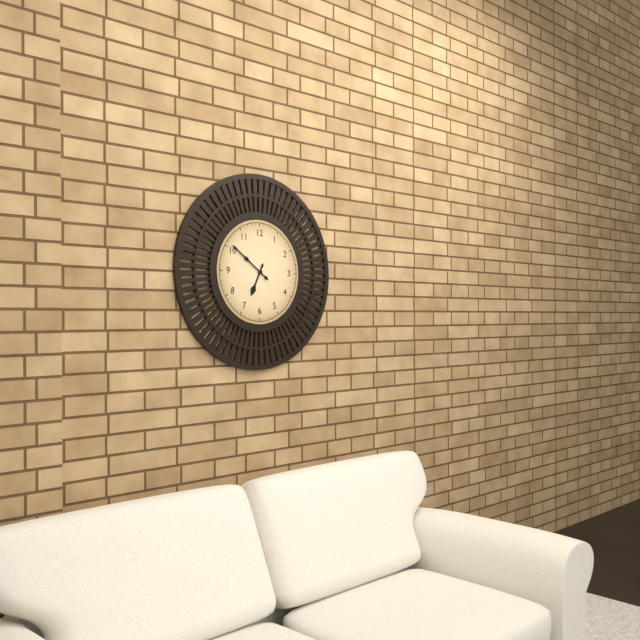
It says 6 h 51 min
